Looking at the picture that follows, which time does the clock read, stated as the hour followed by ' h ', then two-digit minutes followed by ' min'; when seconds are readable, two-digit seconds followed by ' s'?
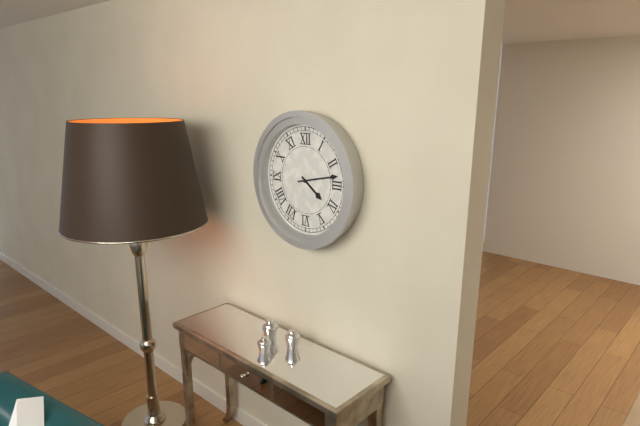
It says 4 h 13 min
